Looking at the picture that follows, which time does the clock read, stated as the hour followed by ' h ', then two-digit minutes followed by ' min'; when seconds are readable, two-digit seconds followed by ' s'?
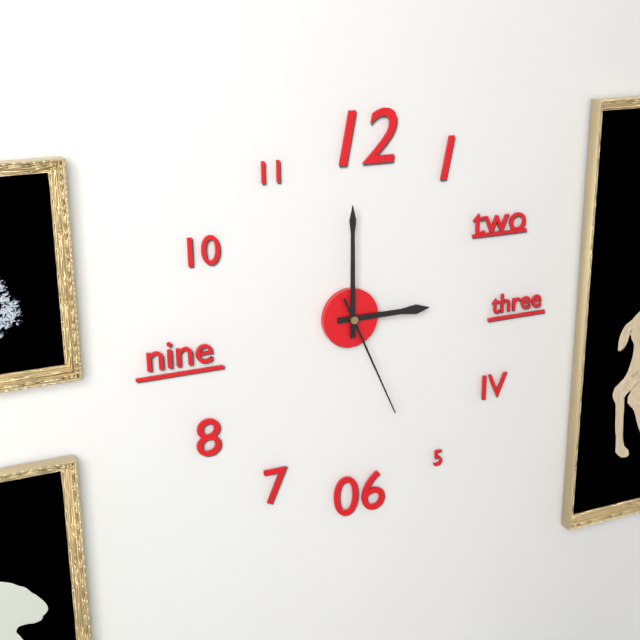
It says 3 h 00 min 26 s
